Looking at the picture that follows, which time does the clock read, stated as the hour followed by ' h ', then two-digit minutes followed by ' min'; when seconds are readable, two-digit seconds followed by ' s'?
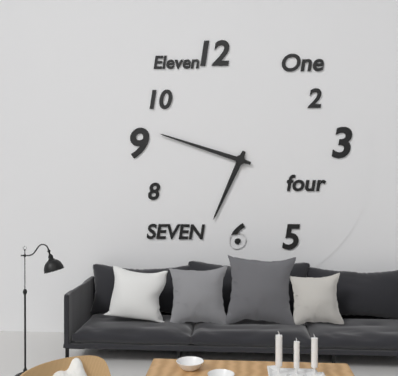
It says 6 h 48 min
